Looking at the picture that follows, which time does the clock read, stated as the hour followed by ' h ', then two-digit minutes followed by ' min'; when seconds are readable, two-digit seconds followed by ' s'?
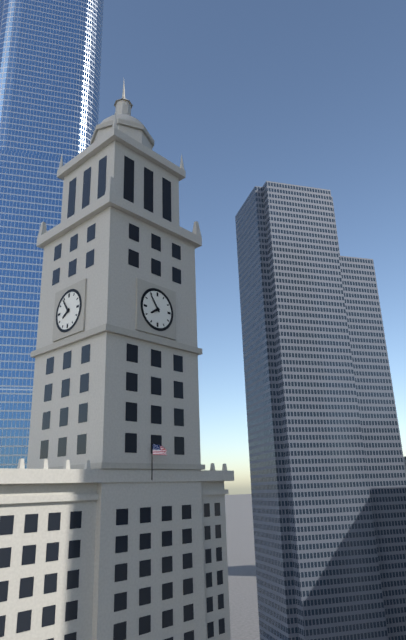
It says 7 h 54 min
